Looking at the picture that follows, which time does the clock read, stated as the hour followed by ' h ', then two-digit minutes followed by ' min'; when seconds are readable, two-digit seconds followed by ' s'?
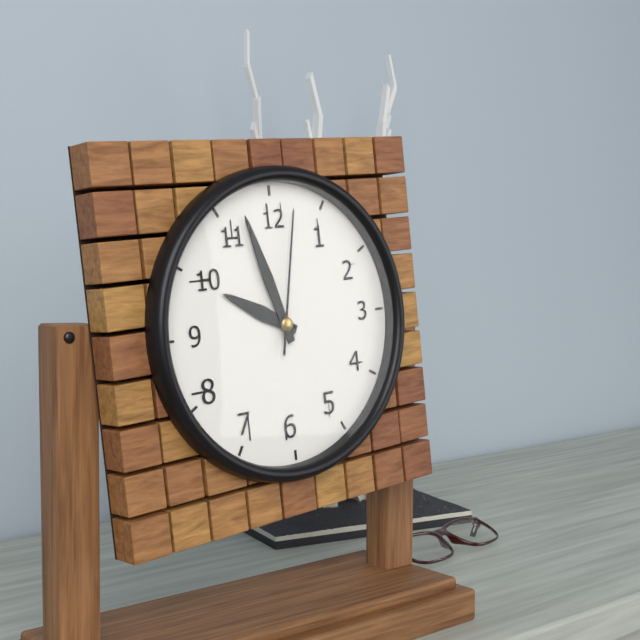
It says 9 h 57 min 02 s
